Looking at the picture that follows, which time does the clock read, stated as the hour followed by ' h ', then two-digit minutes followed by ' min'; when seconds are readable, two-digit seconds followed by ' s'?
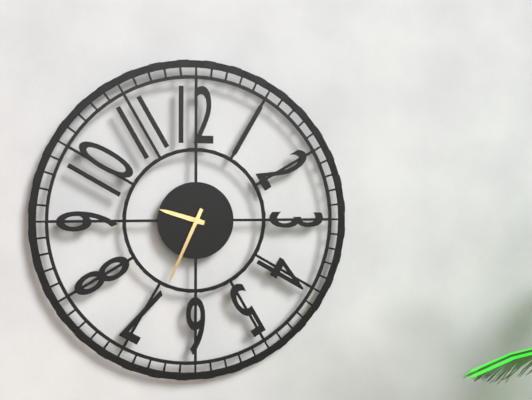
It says 9 h 34 min
